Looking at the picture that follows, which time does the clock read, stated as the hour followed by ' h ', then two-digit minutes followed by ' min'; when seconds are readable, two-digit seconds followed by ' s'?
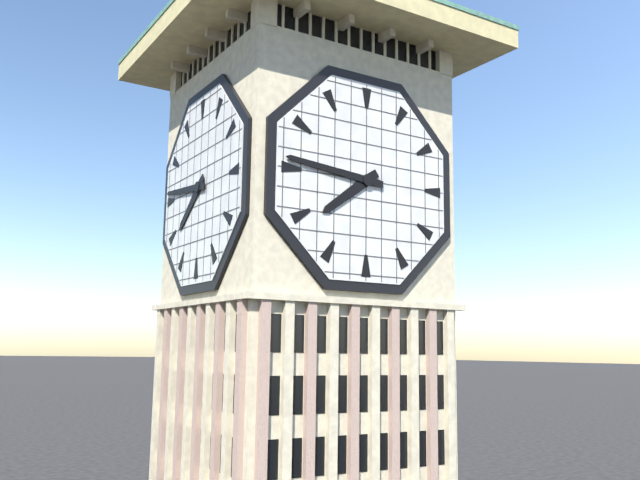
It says 7 h 46 min
